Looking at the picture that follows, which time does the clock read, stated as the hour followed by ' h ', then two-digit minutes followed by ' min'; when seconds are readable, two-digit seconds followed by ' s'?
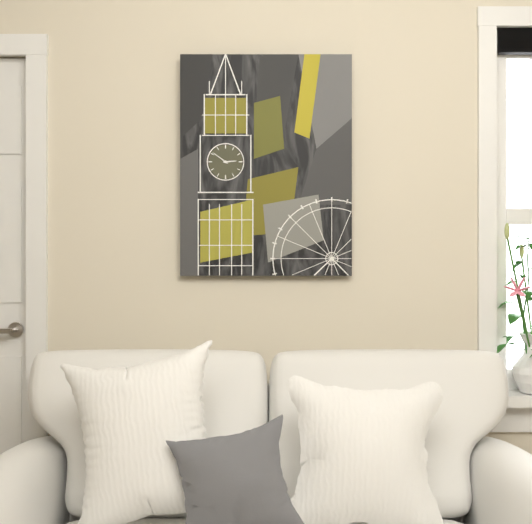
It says 2 h 51 min
